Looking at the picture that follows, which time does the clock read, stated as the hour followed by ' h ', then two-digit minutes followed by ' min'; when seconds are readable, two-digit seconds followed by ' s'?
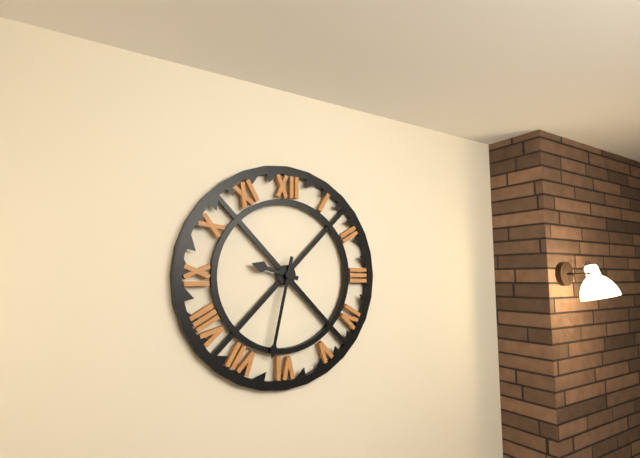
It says 9 h 32 min
